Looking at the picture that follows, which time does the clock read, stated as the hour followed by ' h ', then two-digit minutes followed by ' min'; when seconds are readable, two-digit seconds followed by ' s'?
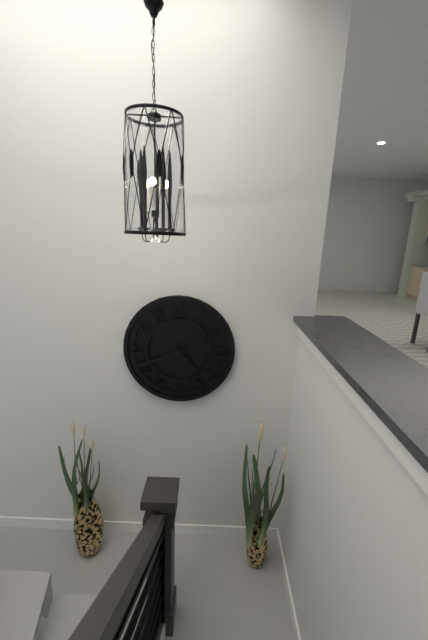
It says 4 h 41 min 51 s
